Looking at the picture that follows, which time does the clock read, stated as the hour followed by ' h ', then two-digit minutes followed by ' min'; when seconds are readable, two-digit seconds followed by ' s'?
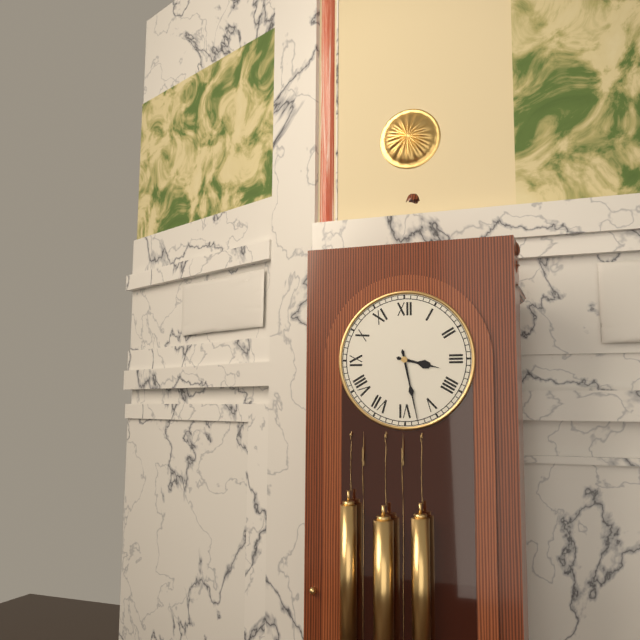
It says 3 h 28 min
